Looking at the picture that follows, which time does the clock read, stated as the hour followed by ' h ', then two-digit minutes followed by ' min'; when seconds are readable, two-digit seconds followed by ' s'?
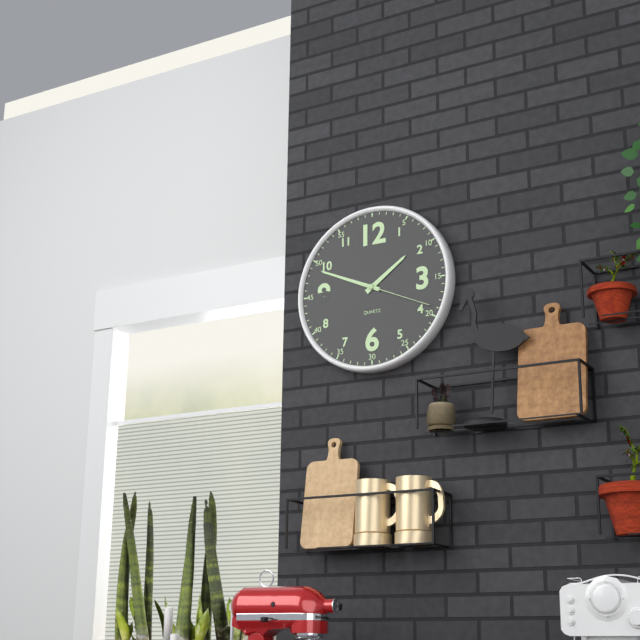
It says 1 h 49 min 19 s
